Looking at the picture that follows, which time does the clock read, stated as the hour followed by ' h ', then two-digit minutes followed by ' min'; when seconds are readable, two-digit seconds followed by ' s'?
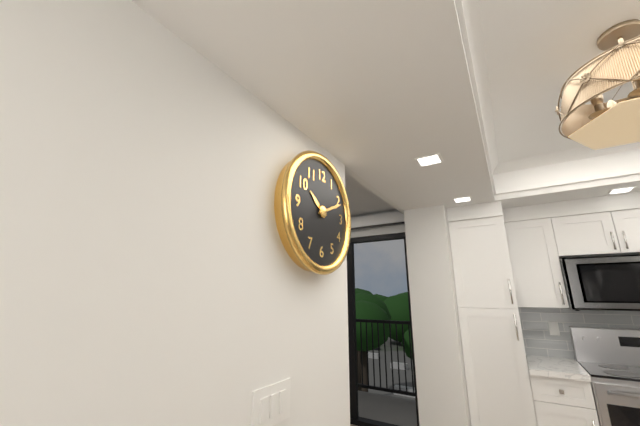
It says 10 h 11 min
